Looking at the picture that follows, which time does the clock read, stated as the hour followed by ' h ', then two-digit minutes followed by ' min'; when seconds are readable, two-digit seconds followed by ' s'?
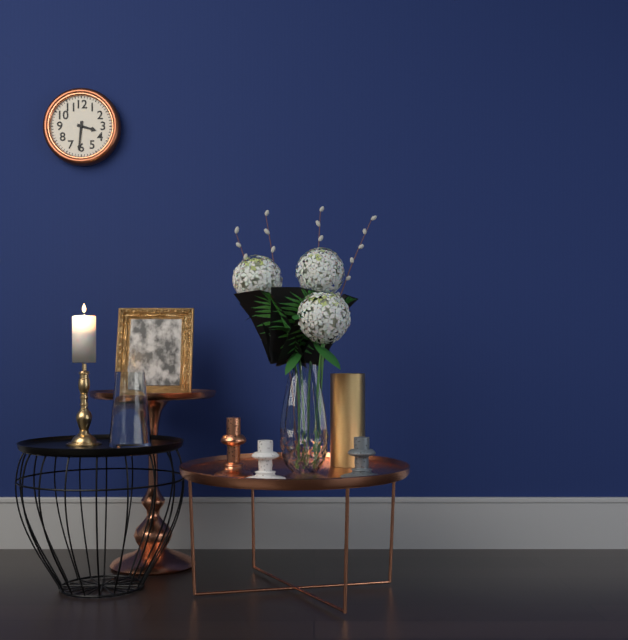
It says 3 h 31 min
